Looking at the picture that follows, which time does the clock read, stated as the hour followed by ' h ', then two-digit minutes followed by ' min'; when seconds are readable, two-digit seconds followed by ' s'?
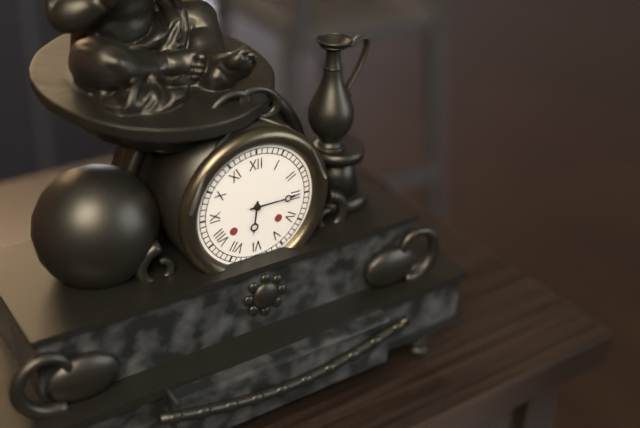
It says 6 h 15 min
